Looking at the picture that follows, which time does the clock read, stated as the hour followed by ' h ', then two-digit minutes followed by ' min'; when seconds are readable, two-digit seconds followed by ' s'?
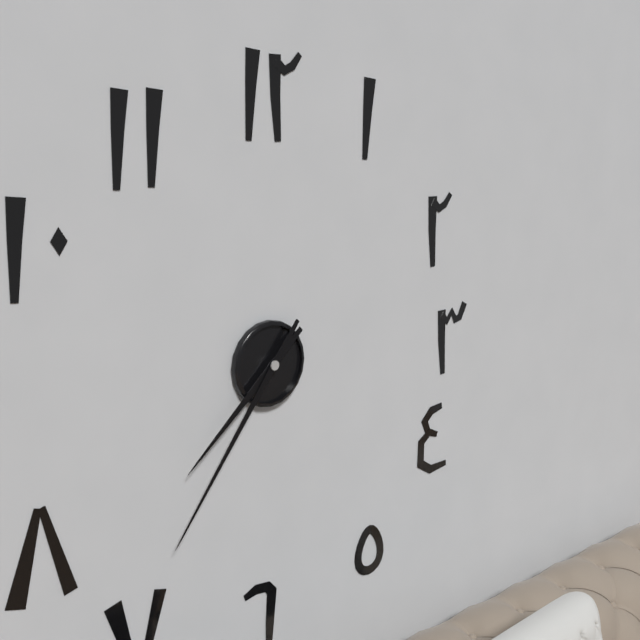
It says 7 h 36 min
